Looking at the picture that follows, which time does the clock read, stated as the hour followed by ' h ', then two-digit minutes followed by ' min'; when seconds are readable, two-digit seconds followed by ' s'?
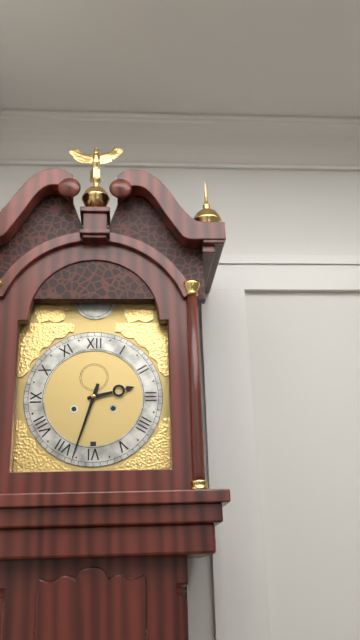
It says 2 h 33 min
